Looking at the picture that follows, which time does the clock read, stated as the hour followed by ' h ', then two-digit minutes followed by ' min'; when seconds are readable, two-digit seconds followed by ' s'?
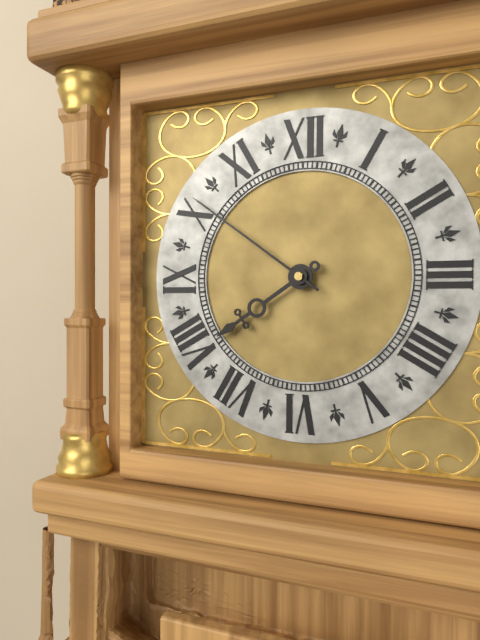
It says 7 h 51 min
